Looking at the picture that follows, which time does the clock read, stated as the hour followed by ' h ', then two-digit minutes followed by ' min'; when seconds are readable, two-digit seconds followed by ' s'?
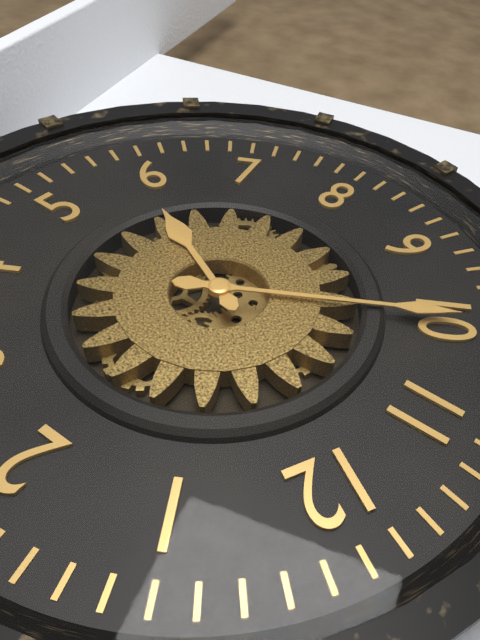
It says 5 h 50 min
